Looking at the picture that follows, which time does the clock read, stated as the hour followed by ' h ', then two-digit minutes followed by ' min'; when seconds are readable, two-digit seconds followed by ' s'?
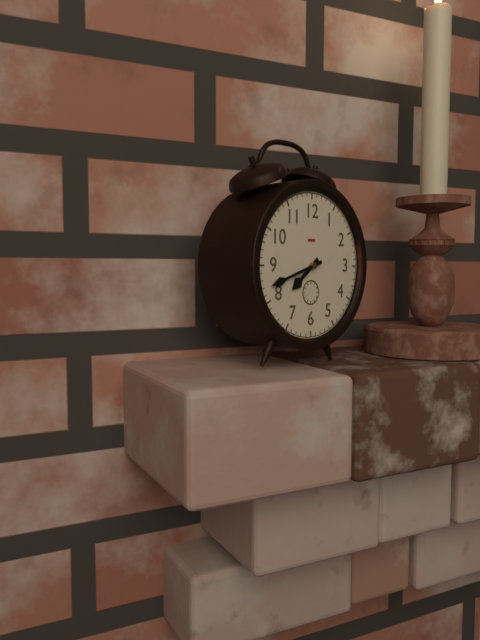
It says 7 h 42 min
